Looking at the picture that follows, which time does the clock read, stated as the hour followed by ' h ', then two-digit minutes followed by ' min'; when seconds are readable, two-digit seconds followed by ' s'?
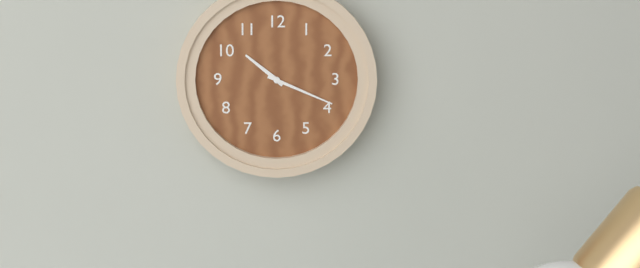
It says 10 h 19 min
